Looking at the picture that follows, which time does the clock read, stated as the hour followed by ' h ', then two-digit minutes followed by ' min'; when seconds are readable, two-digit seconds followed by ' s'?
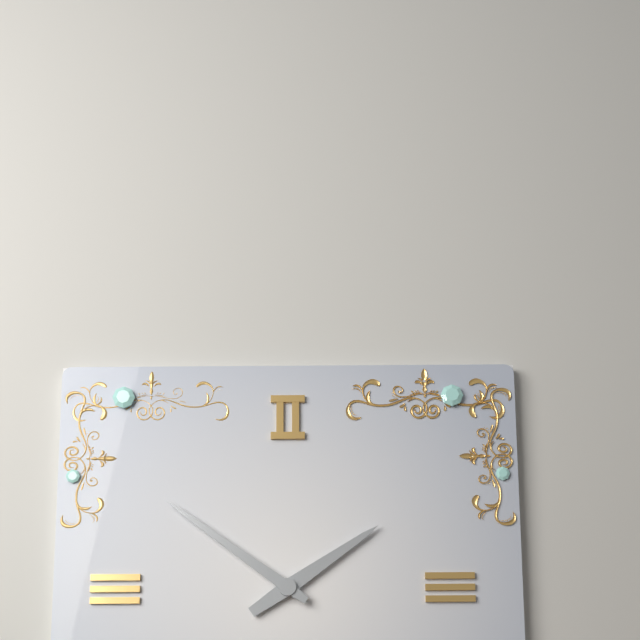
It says 1 h 51 min
